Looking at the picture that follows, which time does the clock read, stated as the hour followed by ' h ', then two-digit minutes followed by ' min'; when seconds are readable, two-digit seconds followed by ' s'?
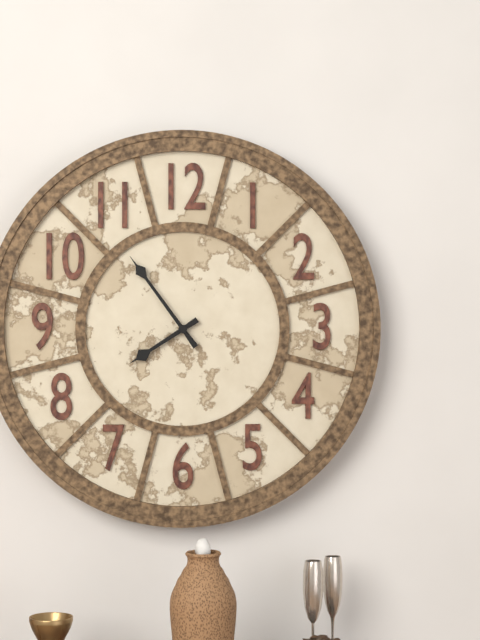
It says 7 h 54 min
